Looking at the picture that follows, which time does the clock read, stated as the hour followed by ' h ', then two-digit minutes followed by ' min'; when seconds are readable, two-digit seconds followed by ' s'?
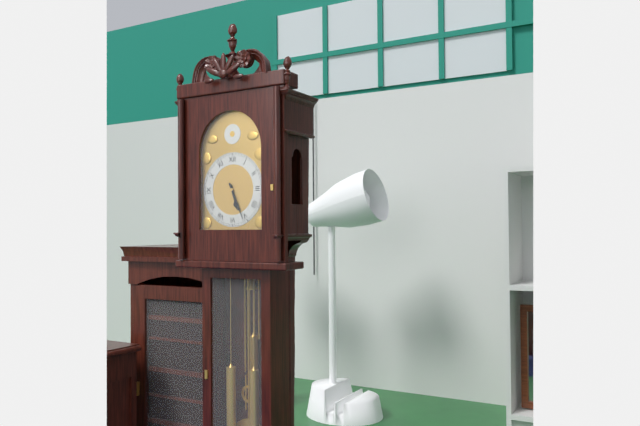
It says 5 h 26 min
